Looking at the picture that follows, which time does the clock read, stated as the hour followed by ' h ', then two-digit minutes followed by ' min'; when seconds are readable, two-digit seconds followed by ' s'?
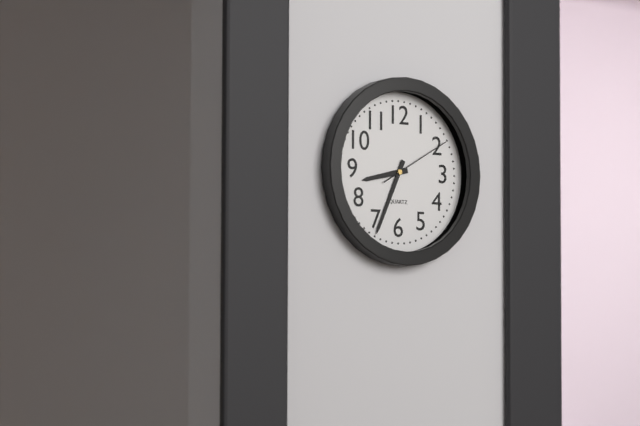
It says 8 h 34 min 10 s
